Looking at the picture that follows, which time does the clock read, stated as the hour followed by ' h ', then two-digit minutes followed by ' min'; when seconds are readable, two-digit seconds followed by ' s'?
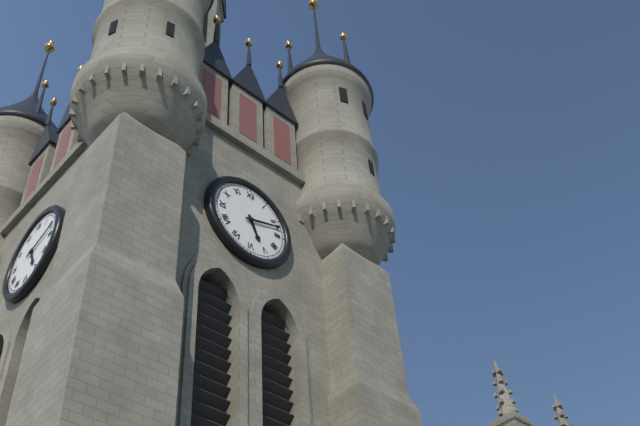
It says 5 h 12 min
